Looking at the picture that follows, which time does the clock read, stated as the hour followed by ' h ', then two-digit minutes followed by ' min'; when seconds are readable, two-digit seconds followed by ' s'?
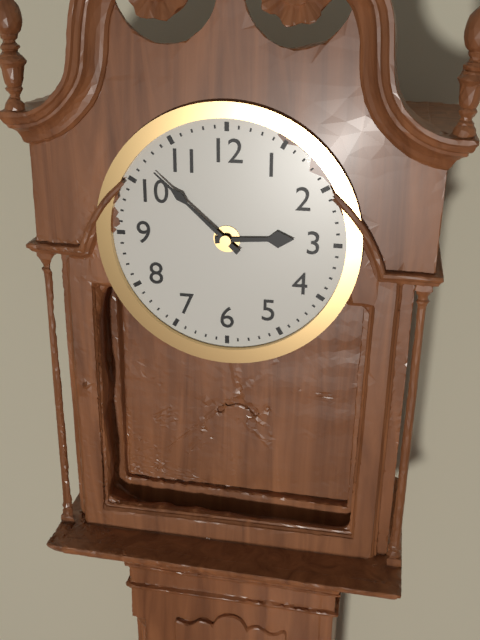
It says 2 h 52 min
